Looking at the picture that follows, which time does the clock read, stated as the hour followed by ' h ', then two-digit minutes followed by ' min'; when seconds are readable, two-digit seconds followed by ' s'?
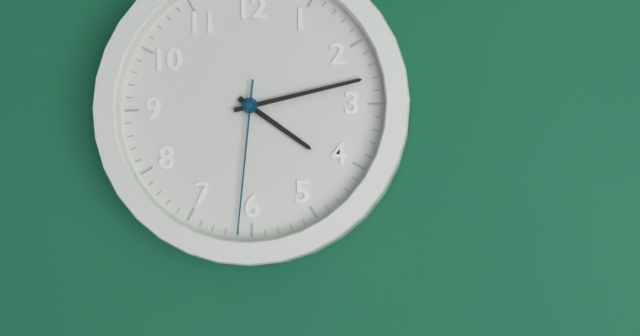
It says 4 h 13 min 31 s
